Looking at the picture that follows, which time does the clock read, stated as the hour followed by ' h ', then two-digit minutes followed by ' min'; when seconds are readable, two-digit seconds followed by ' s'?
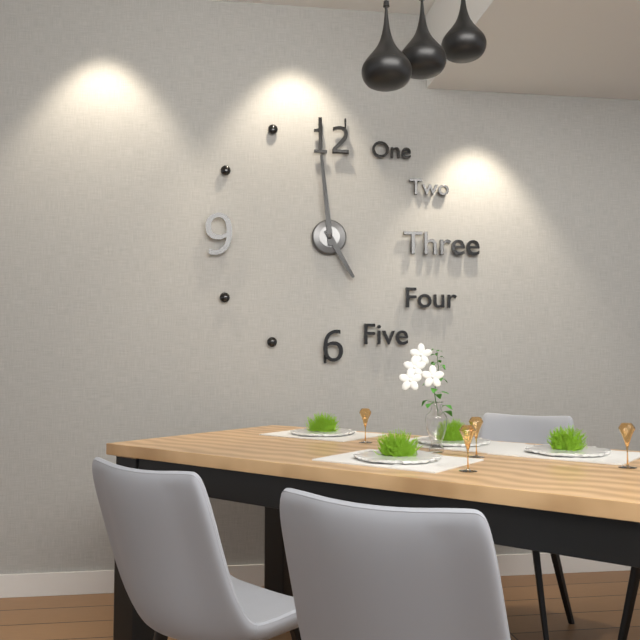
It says 4 h 59 min
